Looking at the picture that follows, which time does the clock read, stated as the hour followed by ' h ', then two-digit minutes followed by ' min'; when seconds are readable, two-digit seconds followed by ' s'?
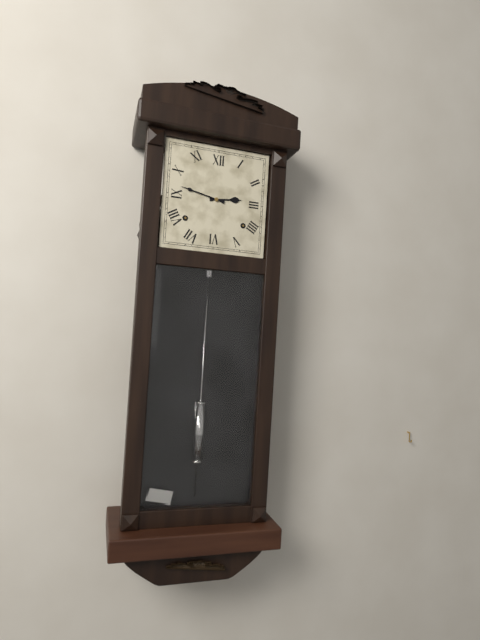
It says 2 h 47 min
